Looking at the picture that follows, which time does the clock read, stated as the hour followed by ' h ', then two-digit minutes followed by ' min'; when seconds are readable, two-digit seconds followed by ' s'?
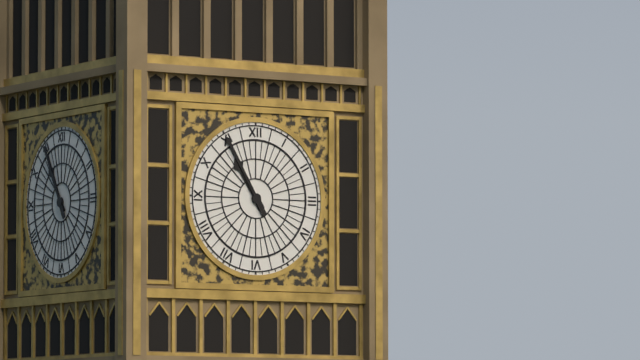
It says 10 h 55 min
